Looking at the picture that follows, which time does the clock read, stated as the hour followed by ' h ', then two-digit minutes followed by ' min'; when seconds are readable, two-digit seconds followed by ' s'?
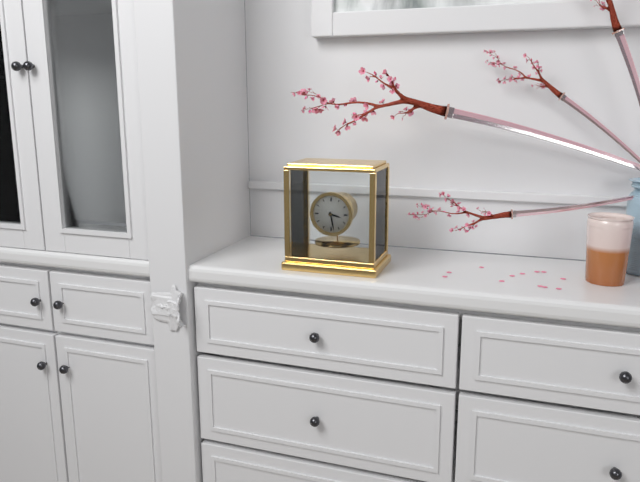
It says 3 h 28 min
